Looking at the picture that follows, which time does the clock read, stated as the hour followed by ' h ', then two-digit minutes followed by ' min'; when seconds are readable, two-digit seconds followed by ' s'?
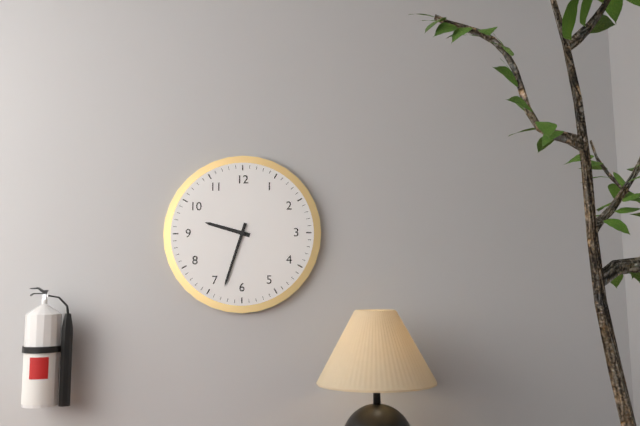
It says 9 h 33 min
